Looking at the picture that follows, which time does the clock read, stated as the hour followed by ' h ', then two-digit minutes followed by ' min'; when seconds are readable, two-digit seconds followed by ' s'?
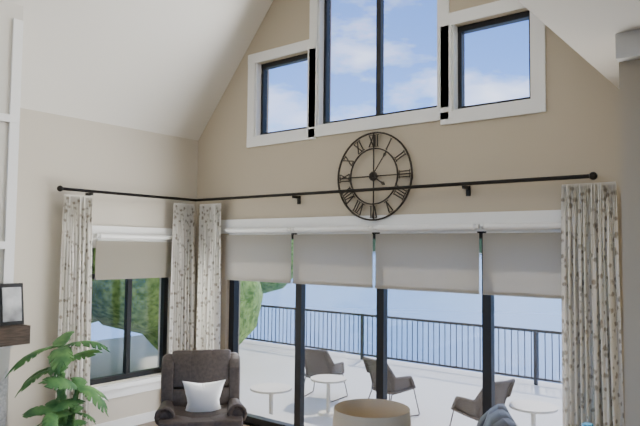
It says 4 h 06 min
